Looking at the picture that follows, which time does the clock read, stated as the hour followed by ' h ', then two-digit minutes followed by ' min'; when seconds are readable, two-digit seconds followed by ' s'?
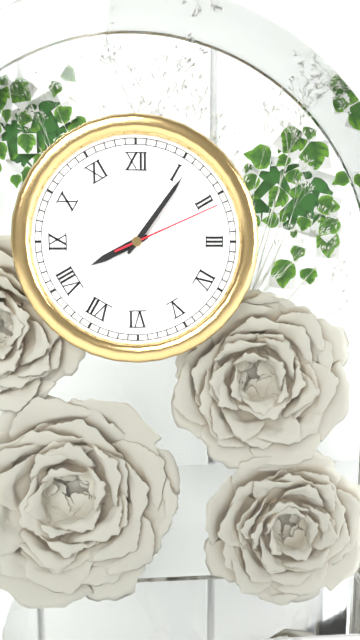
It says 8 h 06 min 11 s
